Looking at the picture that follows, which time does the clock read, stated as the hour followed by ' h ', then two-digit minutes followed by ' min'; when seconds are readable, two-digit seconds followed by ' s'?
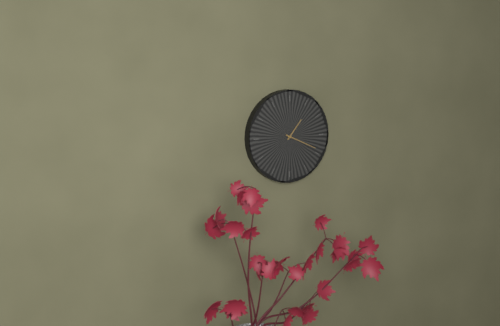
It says 1 h 19 min
